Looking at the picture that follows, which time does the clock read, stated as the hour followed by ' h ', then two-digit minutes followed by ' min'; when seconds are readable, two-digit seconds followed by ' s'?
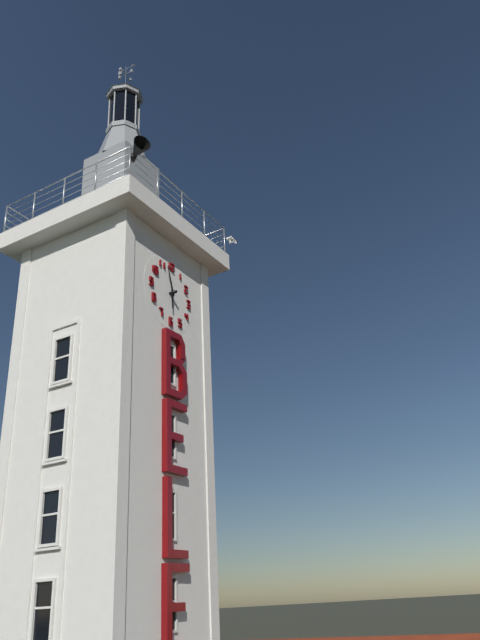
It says 5 h 57 min
